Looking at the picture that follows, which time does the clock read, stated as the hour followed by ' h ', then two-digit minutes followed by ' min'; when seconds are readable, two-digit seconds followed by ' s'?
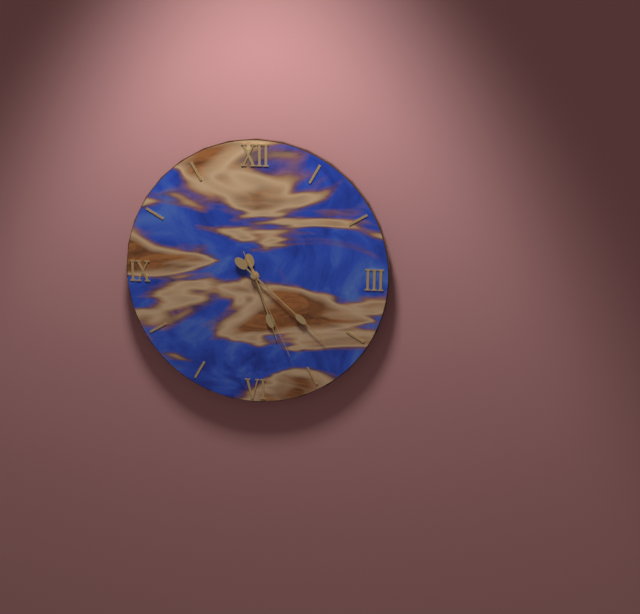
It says 5 h 22 min 26 s
